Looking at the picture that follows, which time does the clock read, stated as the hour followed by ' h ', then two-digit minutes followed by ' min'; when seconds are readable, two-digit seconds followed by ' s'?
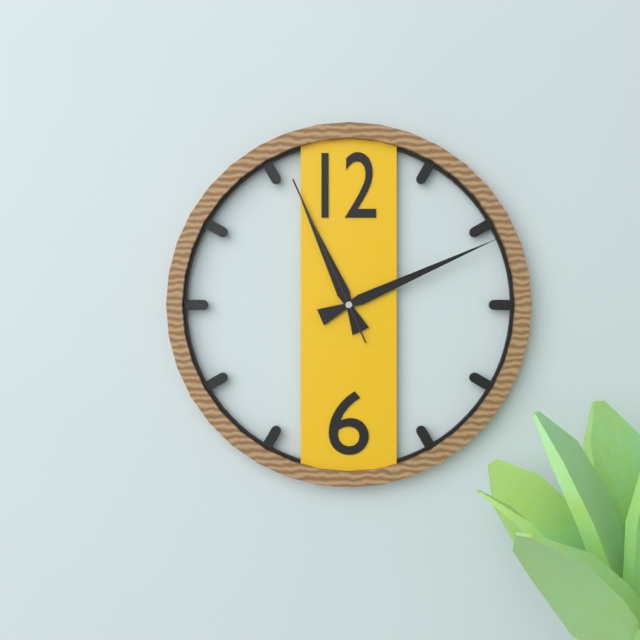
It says 11 h 11 min 56 s
